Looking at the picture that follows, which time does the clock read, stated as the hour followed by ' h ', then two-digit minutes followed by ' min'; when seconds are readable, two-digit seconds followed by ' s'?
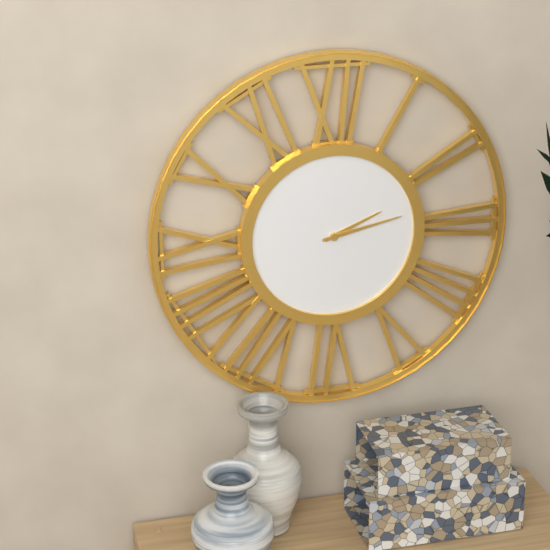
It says 2 h 13 min
